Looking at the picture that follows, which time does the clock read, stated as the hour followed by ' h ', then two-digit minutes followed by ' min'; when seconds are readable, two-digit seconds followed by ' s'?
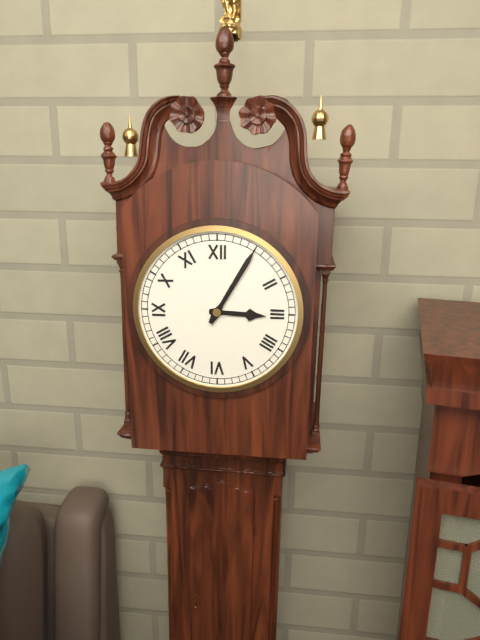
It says 3 h 05 min
